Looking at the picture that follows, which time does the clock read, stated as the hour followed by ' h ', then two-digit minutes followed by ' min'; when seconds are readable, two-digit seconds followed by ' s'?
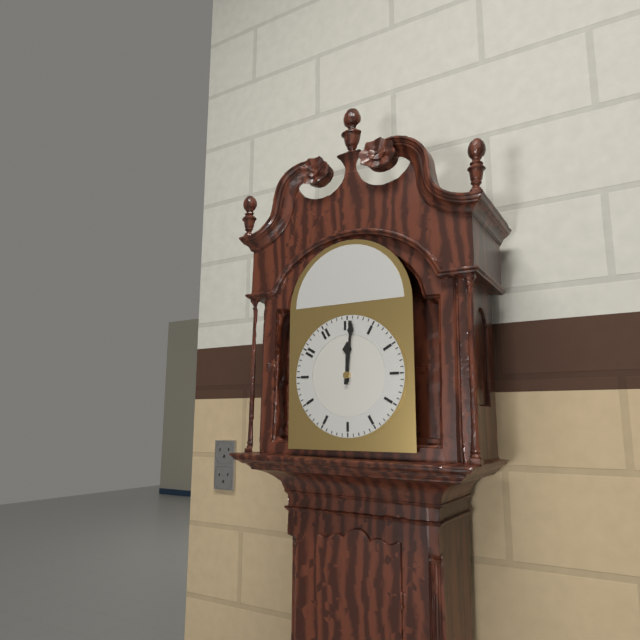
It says 12 h 01 min
